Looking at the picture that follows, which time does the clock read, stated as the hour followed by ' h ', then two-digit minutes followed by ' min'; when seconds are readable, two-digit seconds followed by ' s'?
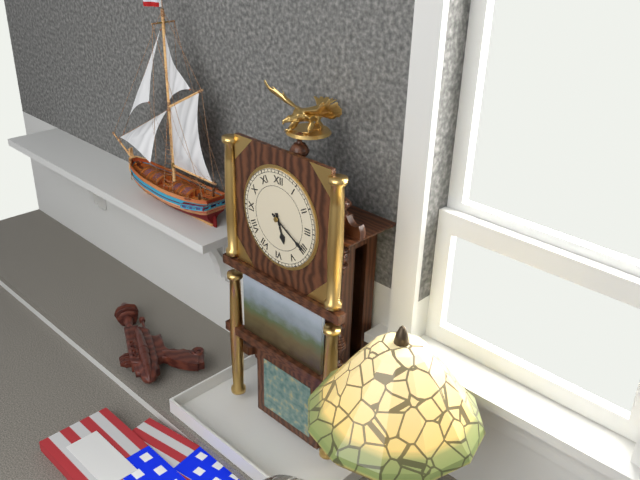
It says 5 h 20 min
